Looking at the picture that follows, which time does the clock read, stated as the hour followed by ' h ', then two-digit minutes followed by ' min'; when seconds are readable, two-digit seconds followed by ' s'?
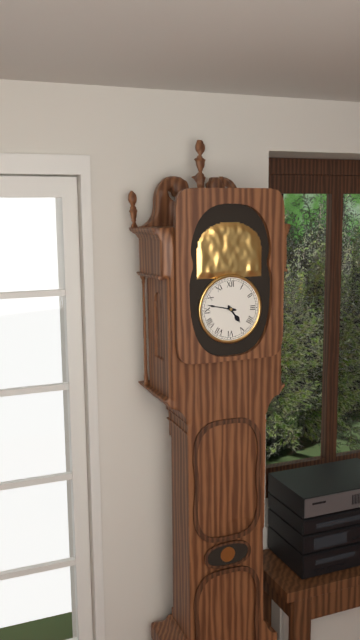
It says 4 h 47 min
